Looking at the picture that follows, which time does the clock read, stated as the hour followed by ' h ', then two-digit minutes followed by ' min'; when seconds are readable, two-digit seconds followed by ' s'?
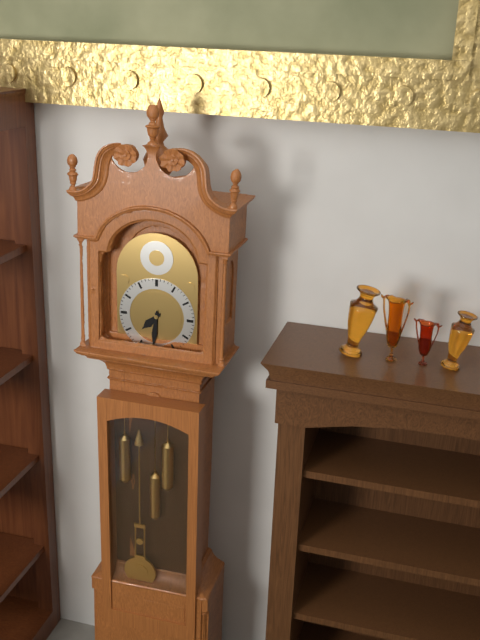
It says 7 h 31 min
